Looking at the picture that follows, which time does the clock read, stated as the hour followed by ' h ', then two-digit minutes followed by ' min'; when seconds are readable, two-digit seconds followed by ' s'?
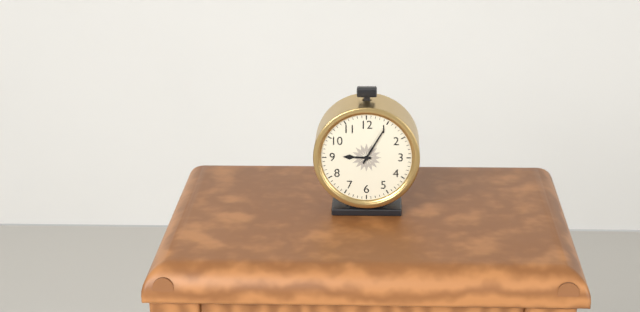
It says 9 h 05 min
